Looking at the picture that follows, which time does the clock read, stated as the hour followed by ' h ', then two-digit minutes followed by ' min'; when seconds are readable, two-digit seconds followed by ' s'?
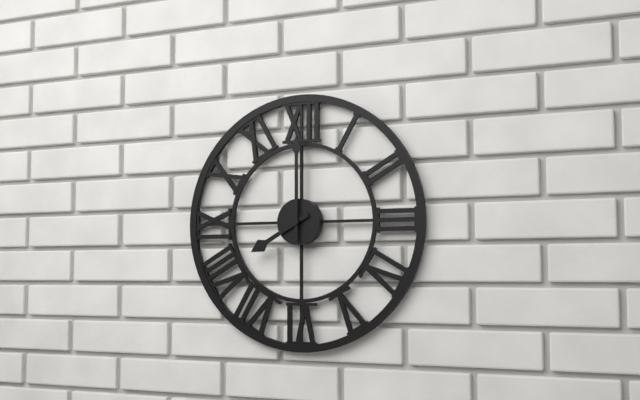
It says 8 h 00 min
